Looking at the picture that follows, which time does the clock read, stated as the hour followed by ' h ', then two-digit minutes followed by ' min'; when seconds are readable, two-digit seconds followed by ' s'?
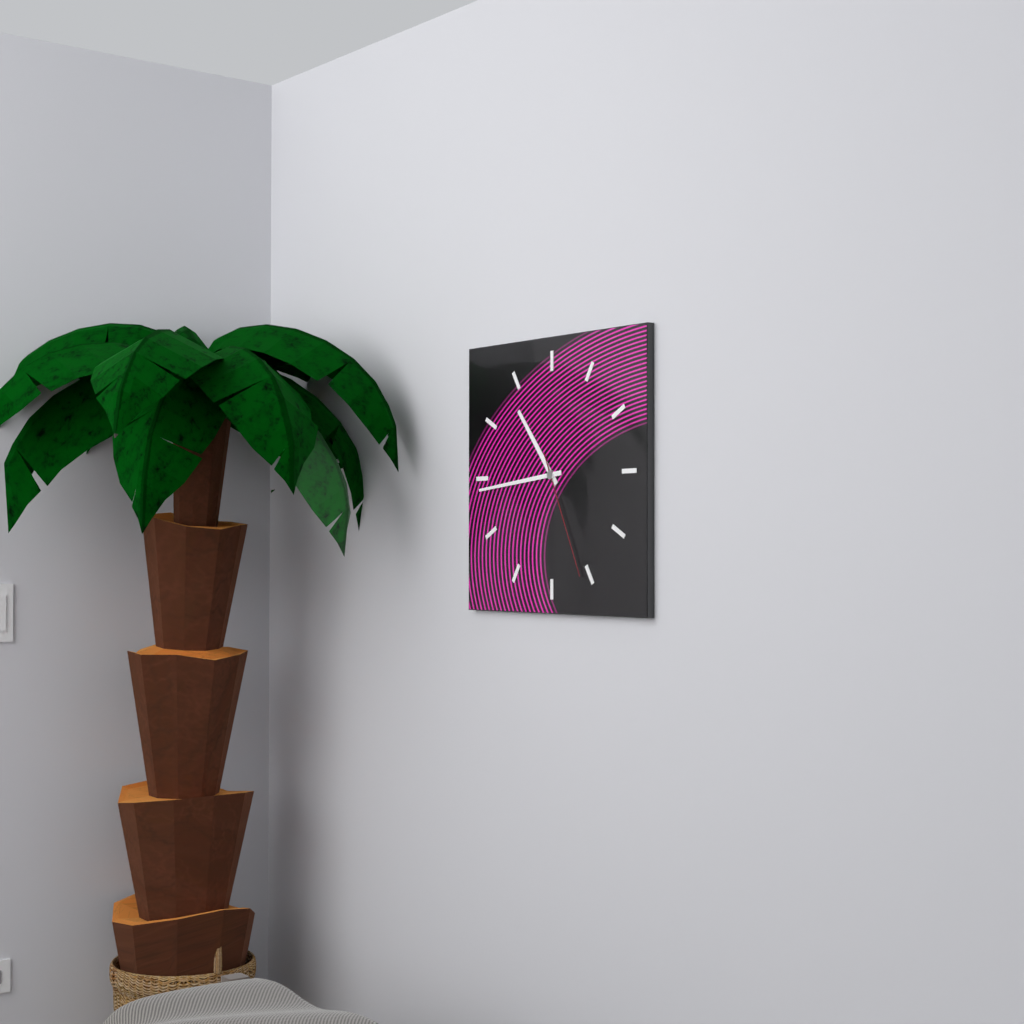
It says 10 h 44 min 26 s
